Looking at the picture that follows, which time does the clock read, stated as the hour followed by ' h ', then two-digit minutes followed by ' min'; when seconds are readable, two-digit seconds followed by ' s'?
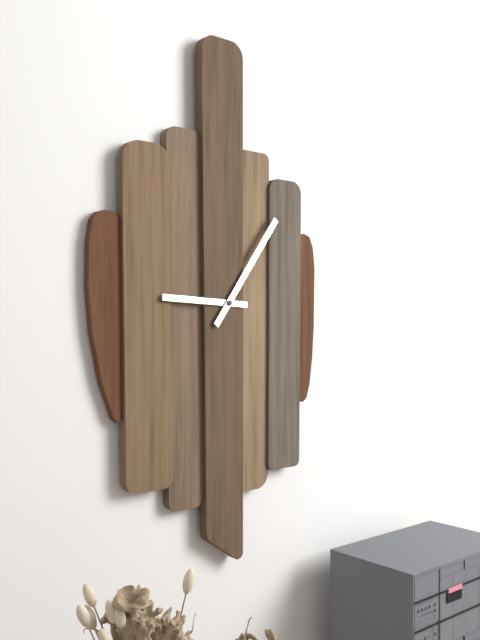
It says 9 h 06 min
